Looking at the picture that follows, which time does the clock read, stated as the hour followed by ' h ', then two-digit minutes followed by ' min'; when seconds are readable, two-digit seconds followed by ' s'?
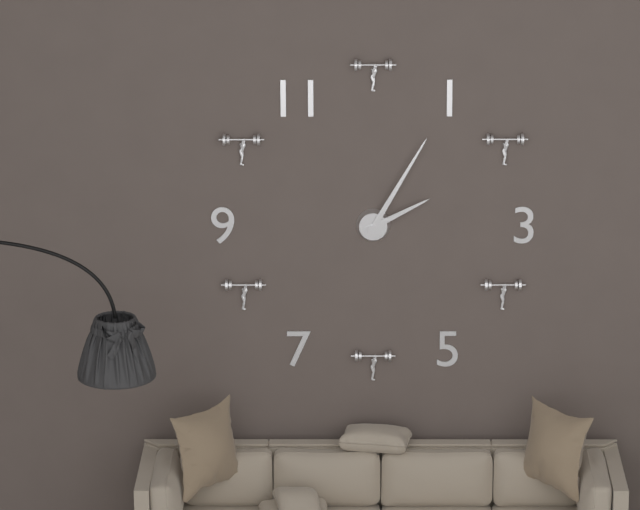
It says 2 h 05 min
